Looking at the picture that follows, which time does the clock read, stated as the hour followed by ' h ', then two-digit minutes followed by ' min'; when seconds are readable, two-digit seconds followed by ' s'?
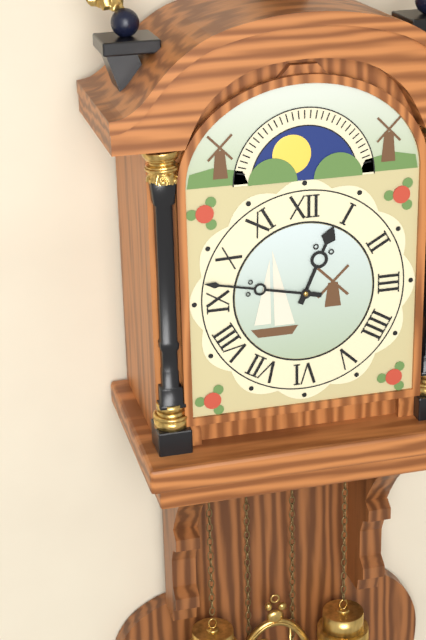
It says 12 h 47 min
